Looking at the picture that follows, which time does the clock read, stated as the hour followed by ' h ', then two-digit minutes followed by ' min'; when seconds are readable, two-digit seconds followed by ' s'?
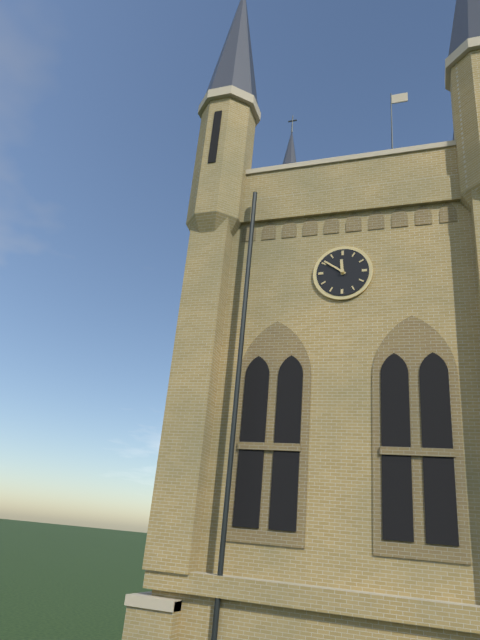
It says 11 h 51 min
